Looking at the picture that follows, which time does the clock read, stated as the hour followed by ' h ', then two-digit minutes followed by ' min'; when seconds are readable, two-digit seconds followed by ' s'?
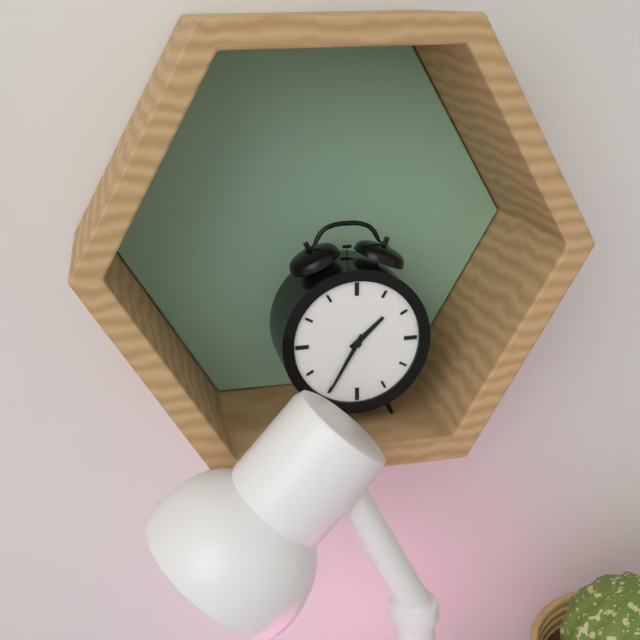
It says 1 h 35 min
